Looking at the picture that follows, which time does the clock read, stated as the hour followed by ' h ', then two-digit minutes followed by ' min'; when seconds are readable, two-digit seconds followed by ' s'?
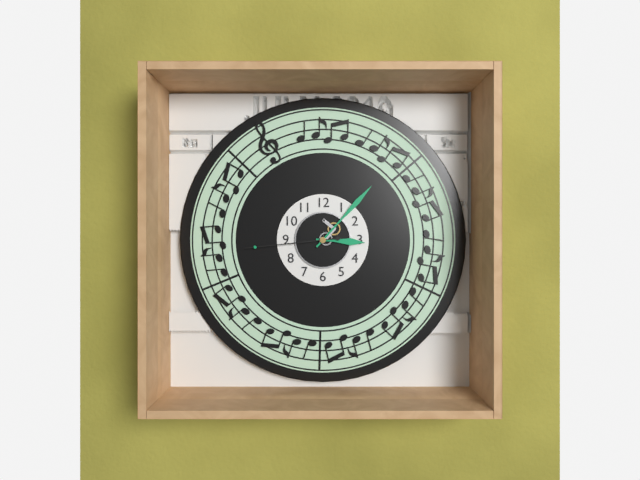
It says 3 h 07 min 44 s
